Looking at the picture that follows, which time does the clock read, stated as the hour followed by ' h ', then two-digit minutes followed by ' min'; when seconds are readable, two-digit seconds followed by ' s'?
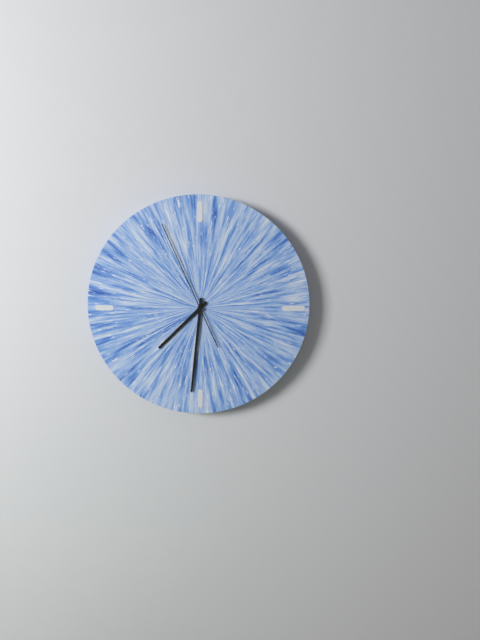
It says 7 h 31 min 56 s
